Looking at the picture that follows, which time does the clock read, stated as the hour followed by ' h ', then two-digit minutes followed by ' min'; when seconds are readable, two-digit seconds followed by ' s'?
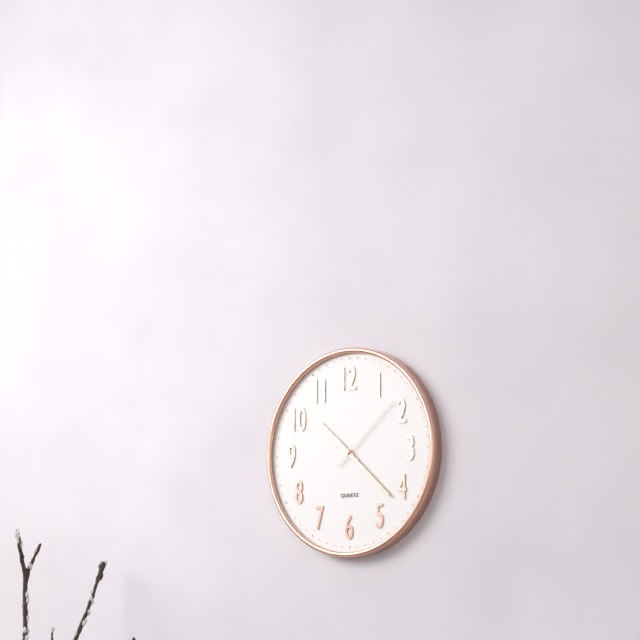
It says 10 h 22 min 08 s
